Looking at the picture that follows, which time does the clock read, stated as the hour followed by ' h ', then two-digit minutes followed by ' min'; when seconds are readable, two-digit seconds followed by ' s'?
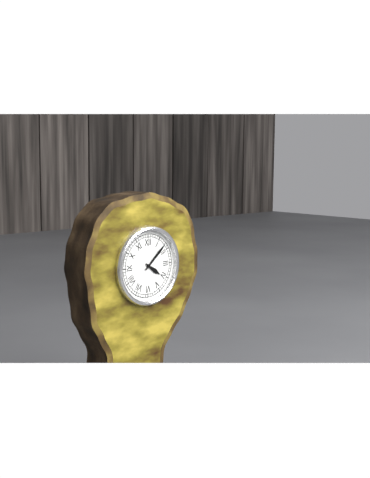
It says 4 h 08 min
